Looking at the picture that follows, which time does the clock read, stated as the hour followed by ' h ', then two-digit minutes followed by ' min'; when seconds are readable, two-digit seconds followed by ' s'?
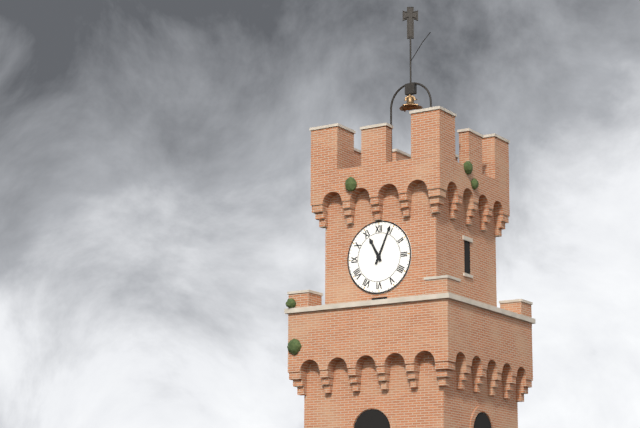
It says 11 h 04 min
